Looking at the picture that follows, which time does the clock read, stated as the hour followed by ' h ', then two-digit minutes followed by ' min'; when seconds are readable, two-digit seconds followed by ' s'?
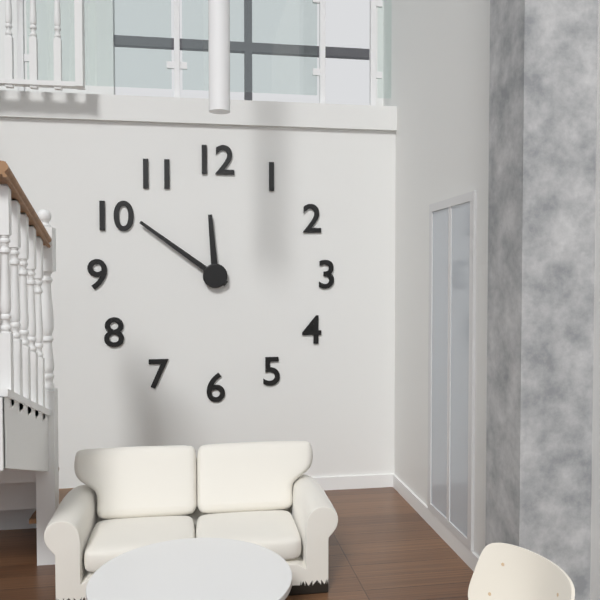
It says 11 h 51 min
